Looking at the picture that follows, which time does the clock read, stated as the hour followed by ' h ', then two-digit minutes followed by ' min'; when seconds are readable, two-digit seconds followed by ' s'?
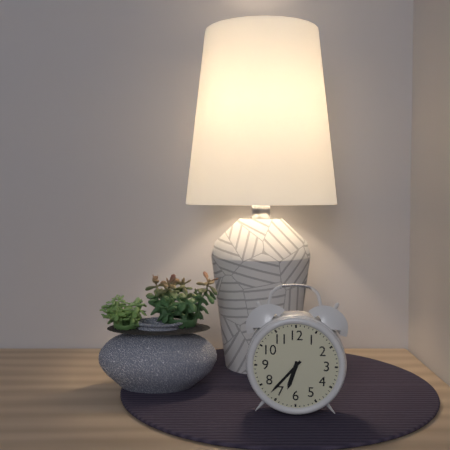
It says 6 h 37 min
